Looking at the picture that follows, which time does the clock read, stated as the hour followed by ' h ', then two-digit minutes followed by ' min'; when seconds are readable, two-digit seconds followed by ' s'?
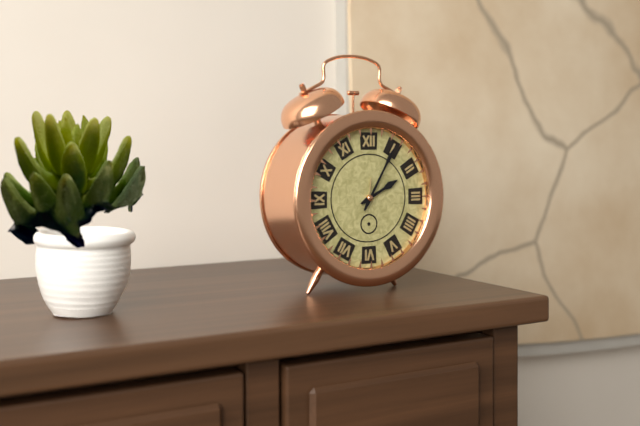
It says 2 h 05 min
